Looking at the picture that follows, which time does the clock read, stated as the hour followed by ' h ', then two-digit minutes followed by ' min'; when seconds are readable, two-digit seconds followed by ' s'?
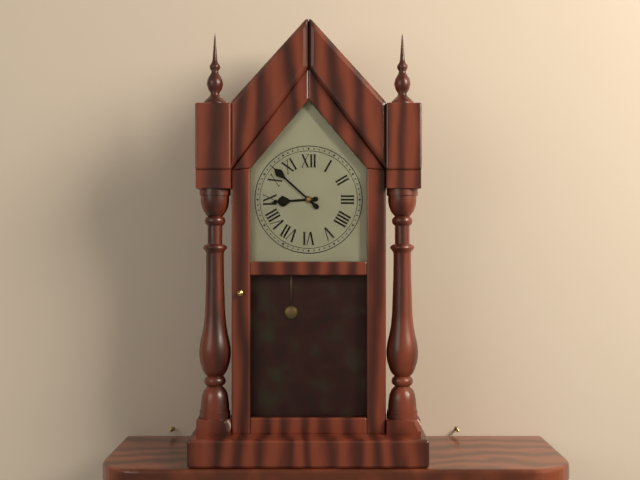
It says 8 h 52 min
